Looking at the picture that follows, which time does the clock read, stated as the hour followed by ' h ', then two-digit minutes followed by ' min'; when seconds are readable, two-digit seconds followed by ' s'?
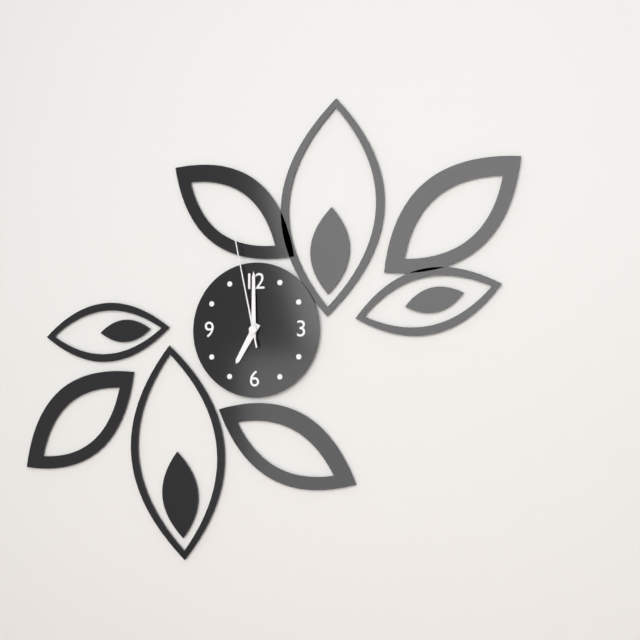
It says 7 h 00 min 58 s
